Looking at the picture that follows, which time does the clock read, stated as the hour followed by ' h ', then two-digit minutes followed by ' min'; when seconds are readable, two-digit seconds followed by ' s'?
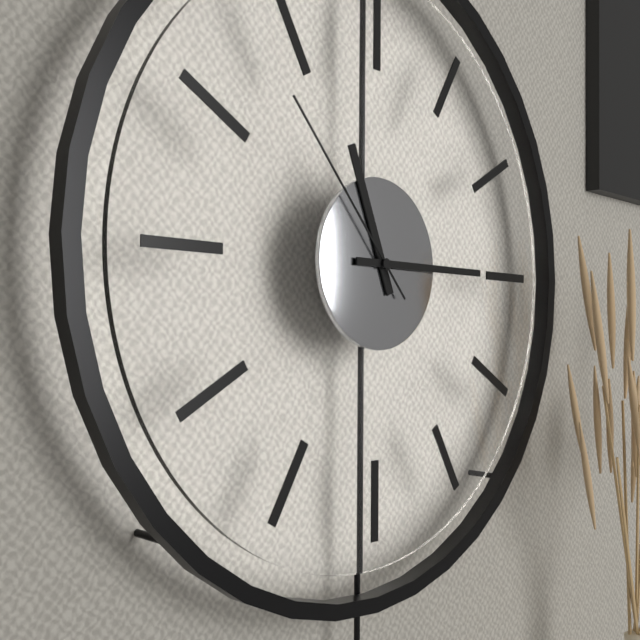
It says 11 h 15 min 53 s
